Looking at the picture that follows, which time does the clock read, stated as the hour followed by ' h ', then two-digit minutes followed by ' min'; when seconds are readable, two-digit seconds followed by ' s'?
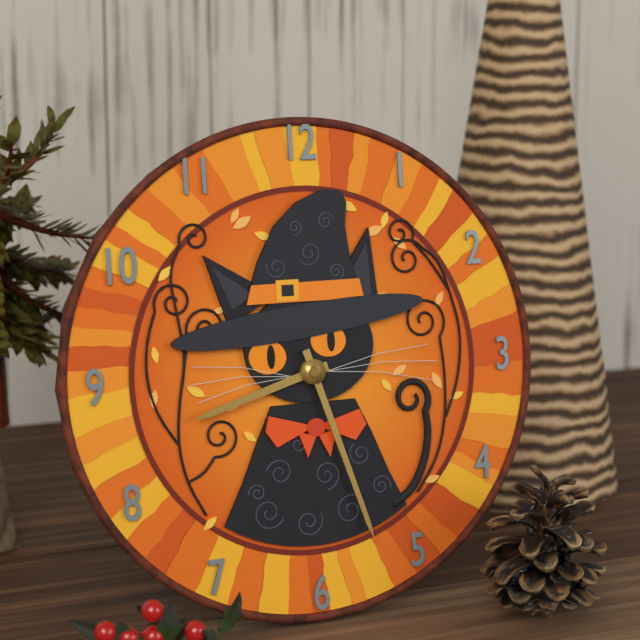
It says 8 h 27 min
